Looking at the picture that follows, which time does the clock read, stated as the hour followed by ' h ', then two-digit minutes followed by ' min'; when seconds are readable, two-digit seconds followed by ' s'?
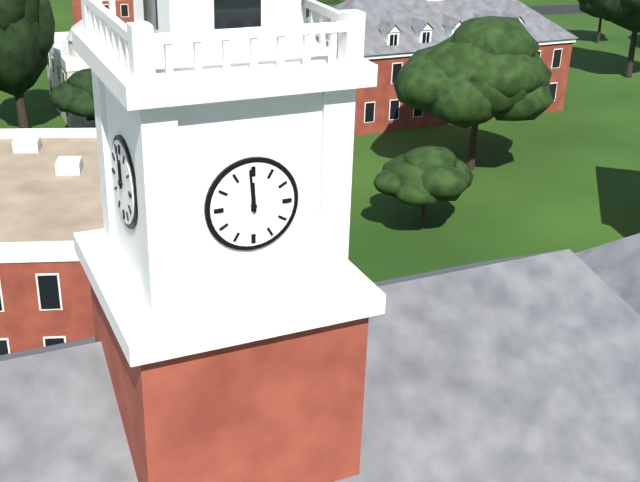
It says 11 h 59 min
